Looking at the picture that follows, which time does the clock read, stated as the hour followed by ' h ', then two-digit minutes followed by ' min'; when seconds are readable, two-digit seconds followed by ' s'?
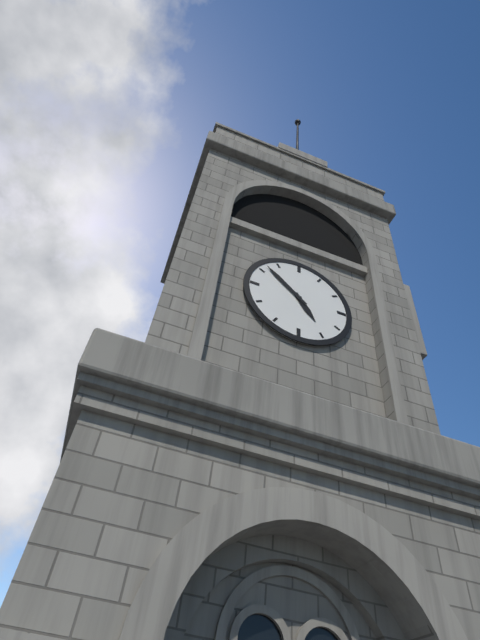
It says 4 h 52 min
